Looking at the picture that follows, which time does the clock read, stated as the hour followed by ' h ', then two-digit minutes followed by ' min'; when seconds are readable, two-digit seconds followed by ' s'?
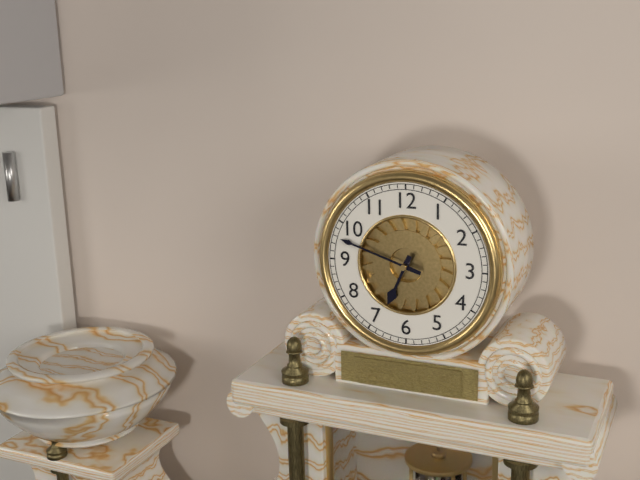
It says 6 h 48 min
